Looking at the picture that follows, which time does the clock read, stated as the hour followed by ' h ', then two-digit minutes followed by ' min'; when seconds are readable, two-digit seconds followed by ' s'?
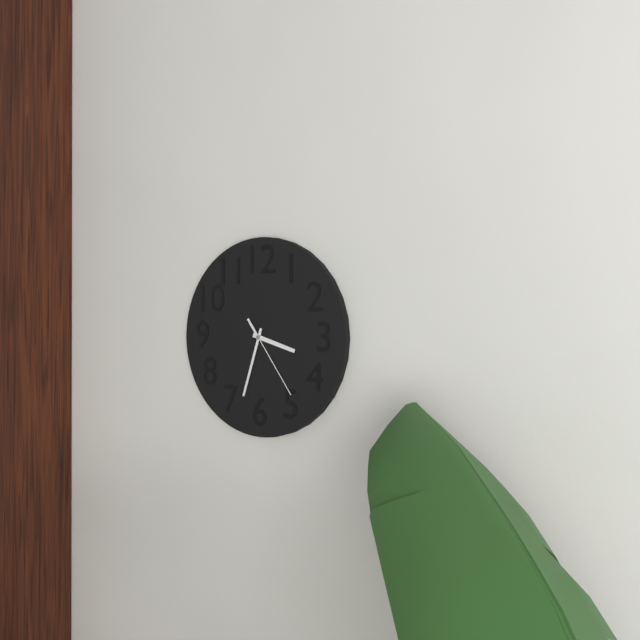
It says 3 h 33 min 24 s
